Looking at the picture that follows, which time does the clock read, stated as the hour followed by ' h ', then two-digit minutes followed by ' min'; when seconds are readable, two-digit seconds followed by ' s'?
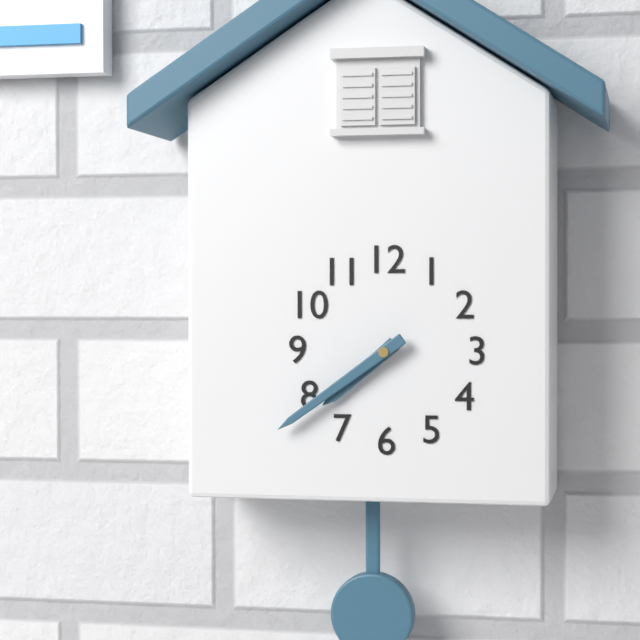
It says 7 h 39 min
